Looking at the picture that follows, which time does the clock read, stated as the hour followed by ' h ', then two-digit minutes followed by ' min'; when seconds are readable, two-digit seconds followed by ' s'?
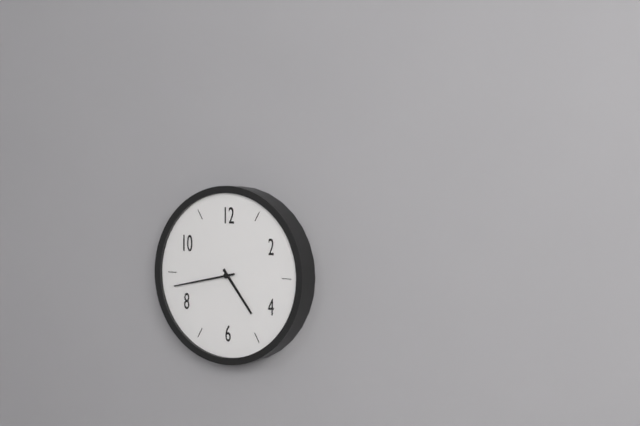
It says 4 h 43 min
